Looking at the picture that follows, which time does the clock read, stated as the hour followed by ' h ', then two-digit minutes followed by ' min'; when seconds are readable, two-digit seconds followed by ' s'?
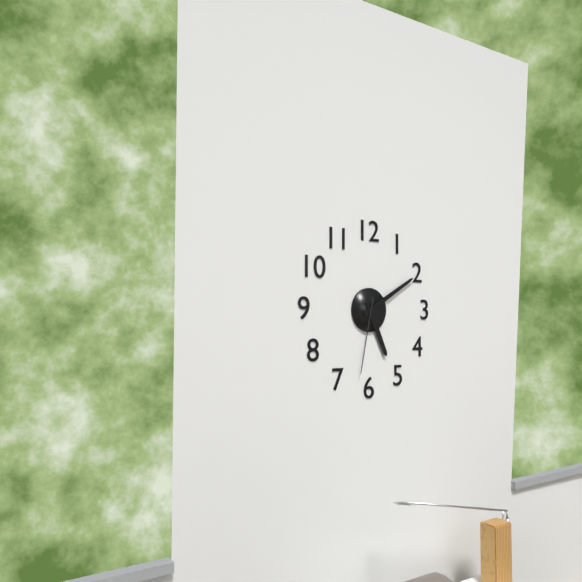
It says 5 h 10 min 32 s
